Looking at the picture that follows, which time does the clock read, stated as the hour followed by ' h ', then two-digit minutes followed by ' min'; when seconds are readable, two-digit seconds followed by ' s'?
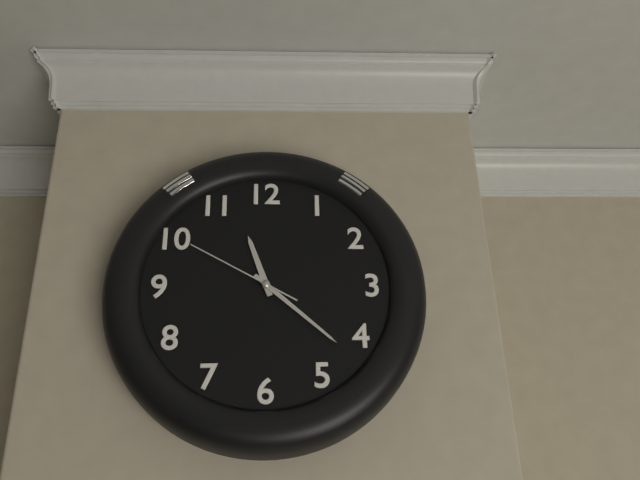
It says 11 h 22 min 50 s
